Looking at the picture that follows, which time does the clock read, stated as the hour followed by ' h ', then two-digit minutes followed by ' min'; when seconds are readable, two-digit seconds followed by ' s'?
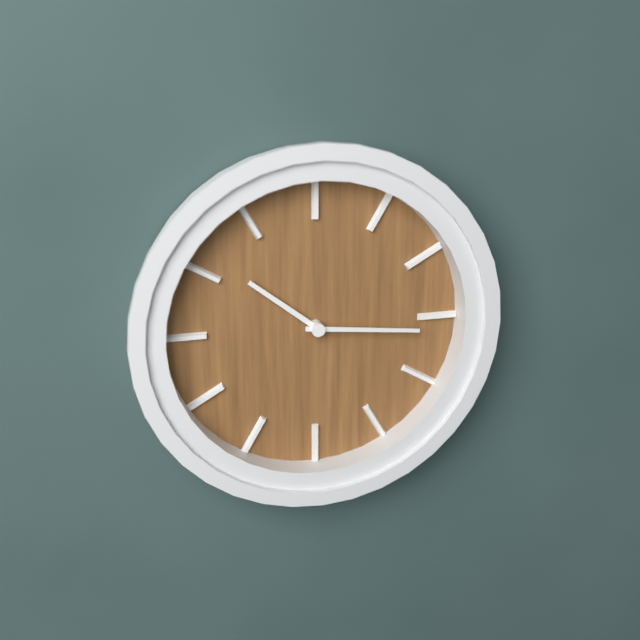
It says 10 h 16 min
